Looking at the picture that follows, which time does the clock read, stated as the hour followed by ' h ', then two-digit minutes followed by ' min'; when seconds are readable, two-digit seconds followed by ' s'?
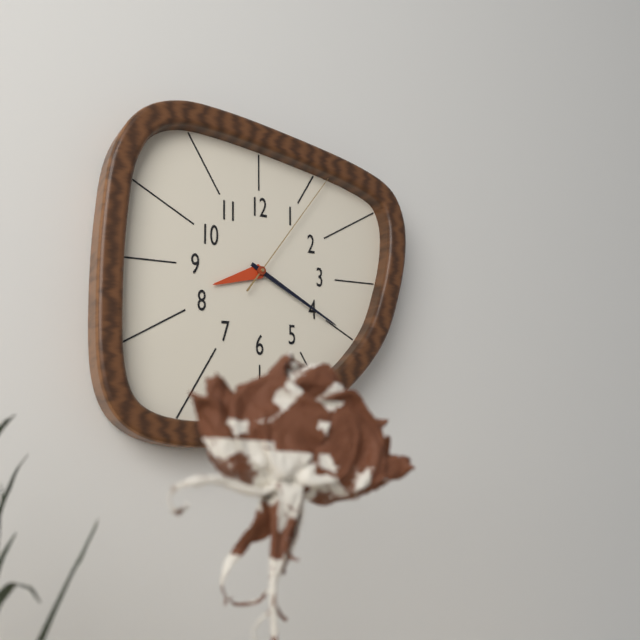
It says 8 h 20 min 06 s
